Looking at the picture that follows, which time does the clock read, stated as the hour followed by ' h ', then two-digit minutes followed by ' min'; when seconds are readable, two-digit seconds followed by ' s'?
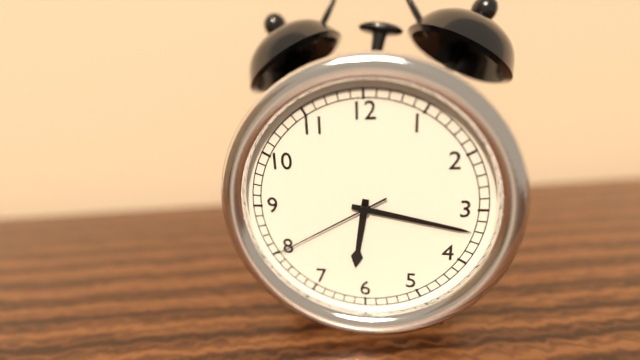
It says 6 h 17 min 40 s
